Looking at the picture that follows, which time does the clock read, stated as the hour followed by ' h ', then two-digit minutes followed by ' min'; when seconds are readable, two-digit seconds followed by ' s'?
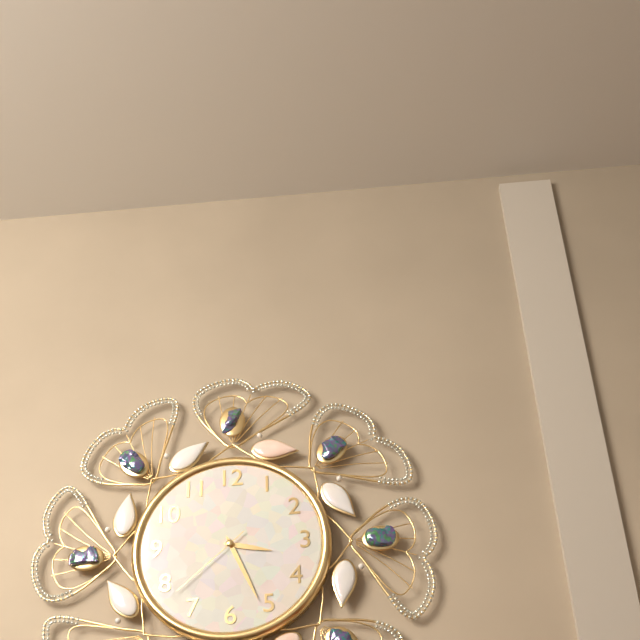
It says 3 h 26 min 38 s
